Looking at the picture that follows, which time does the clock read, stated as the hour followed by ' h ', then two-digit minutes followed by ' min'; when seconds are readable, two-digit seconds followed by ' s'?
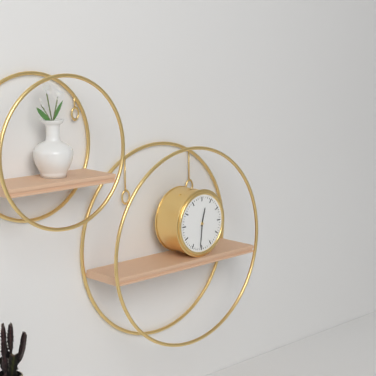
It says 12 h 31 min
